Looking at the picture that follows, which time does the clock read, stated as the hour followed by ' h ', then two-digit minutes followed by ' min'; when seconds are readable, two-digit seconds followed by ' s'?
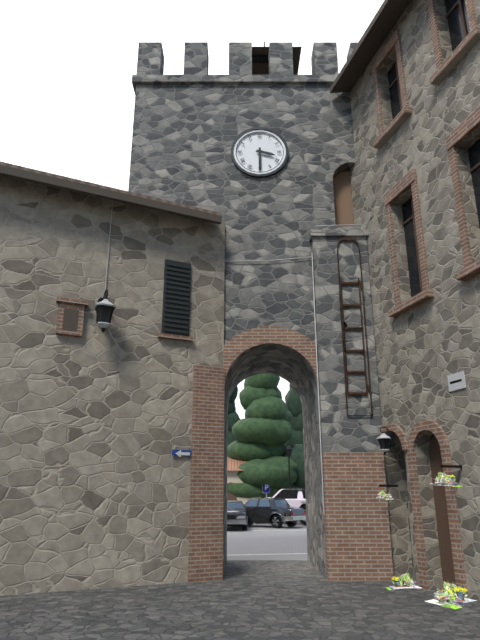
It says 3 h 30 min
